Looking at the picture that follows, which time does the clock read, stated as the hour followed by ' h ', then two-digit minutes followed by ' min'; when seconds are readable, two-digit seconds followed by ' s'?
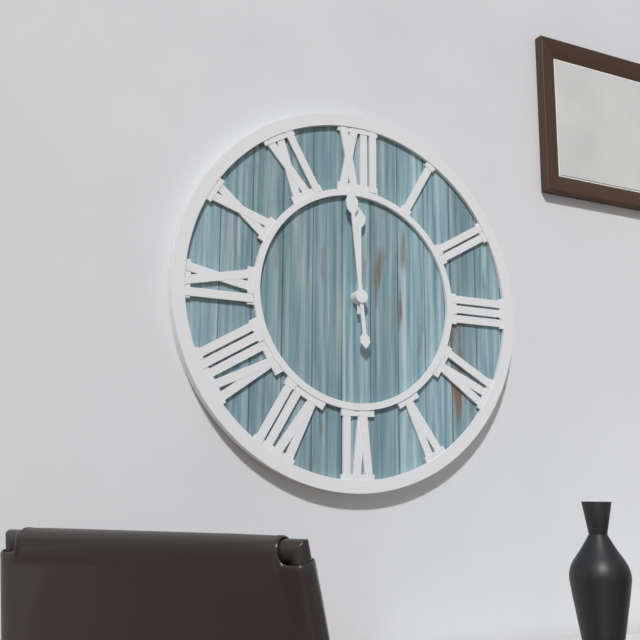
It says 11 h 59 min
